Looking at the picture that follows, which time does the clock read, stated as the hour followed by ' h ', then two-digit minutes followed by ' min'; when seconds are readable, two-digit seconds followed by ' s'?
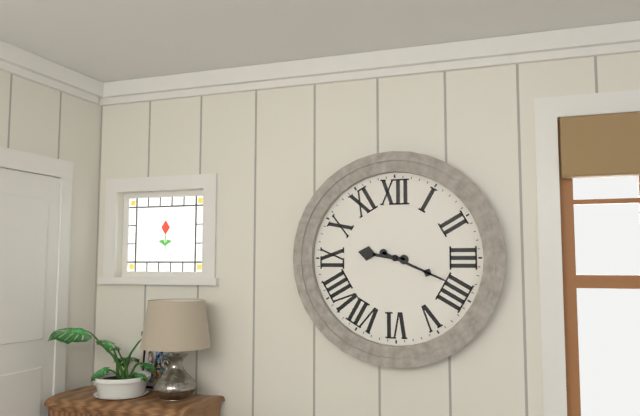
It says 9 h 19 min
